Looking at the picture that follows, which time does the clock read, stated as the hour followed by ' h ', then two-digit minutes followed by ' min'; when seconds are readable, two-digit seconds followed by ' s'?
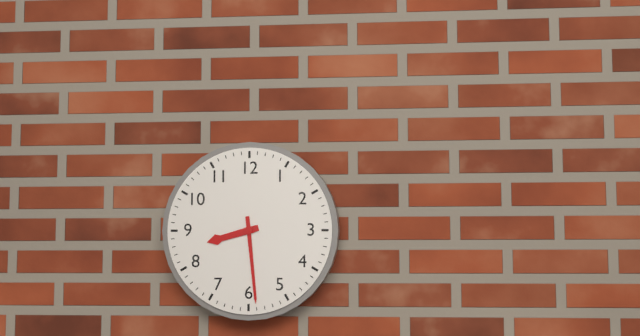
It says 8 h 29 min
